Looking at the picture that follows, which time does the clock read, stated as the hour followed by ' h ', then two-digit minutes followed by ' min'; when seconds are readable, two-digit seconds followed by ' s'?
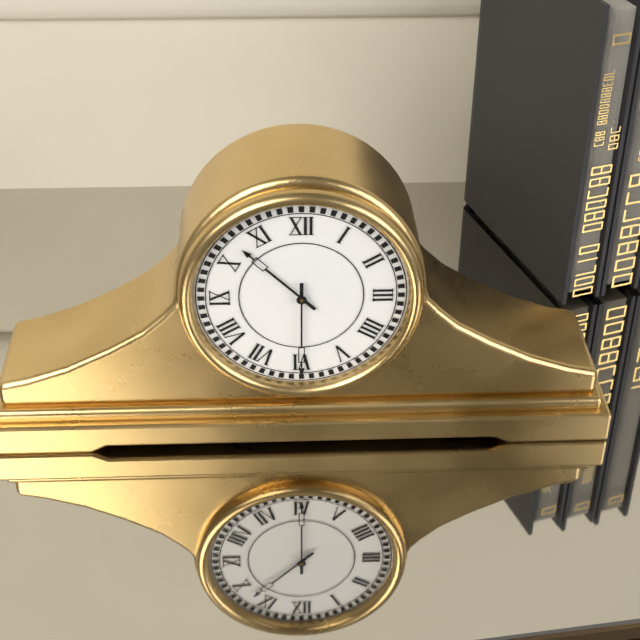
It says 10 h 30 min
